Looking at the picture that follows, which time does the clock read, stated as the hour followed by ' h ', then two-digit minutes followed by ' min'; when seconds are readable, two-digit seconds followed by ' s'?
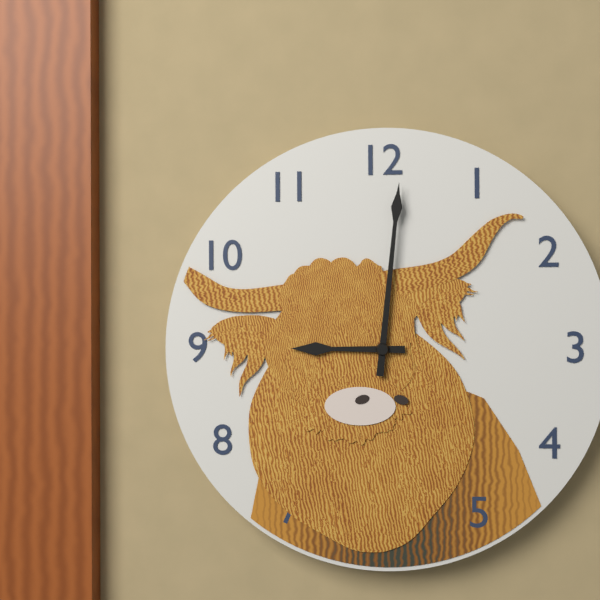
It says 9 h 01 min
